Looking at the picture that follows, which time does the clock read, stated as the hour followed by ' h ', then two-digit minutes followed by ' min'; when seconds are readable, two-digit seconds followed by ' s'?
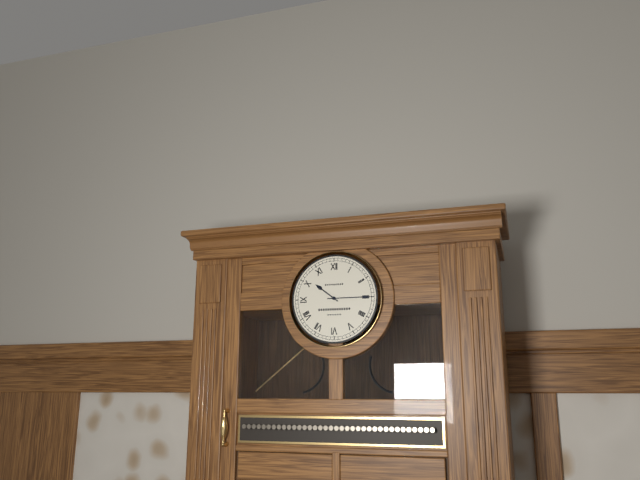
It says 10 h 15 min
